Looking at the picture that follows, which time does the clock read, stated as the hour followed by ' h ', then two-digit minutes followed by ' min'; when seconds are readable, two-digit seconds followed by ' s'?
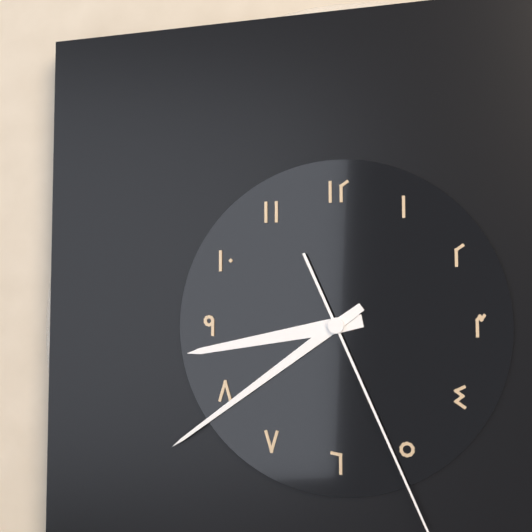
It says 8 h 39 min
